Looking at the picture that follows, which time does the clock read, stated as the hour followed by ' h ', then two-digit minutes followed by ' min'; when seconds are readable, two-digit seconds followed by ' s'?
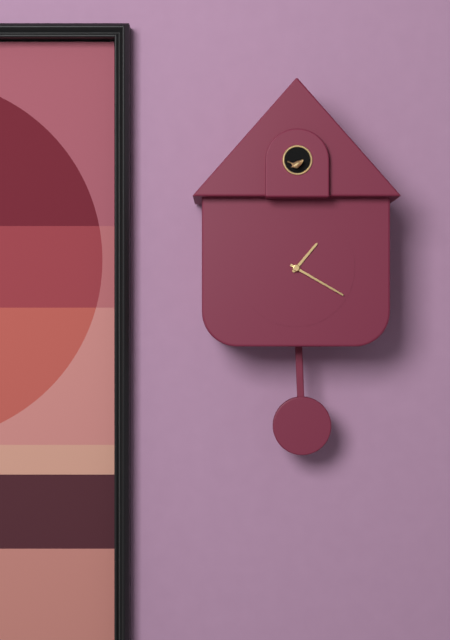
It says 1 h 20 min
